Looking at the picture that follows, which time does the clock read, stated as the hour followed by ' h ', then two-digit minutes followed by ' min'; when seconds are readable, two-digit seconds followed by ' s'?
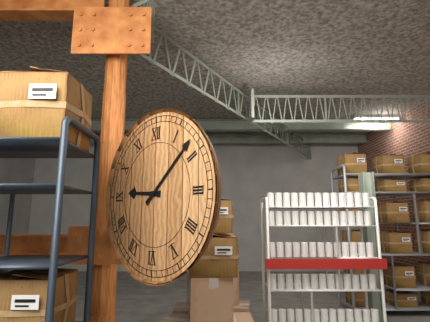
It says 9 h 08 min
